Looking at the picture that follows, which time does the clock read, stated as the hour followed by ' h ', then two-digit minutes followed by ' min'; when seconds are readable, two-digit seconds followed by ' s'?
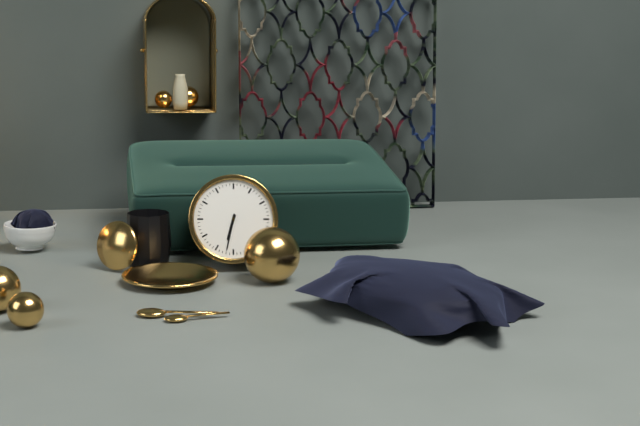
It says 6 h 32 min
